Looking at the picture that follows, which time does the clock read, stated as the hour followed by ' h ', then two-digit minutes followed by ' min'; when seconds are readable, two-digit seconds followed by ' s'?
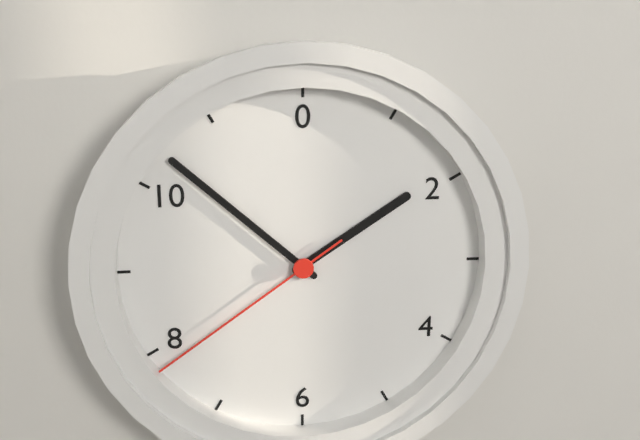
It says 1 h 52 min 39 s
